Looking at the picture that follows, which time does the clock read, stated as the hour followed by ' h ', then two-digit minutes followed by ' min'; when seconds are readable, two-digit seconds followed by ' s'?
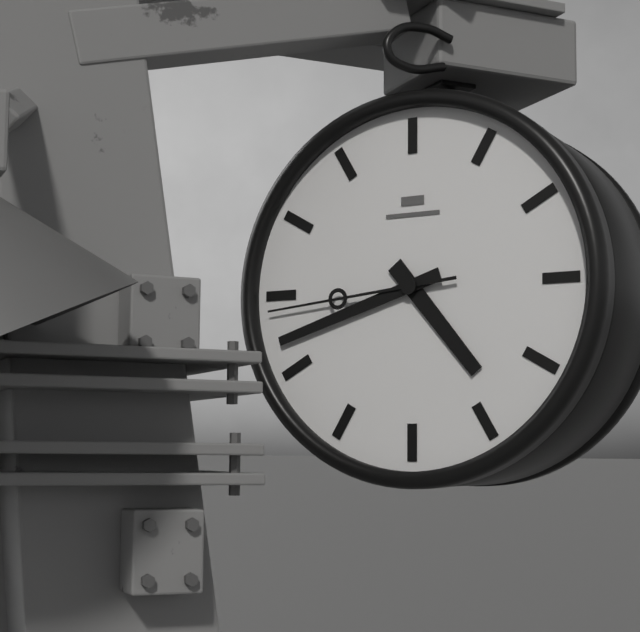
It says 4 h 42 min 44 s
